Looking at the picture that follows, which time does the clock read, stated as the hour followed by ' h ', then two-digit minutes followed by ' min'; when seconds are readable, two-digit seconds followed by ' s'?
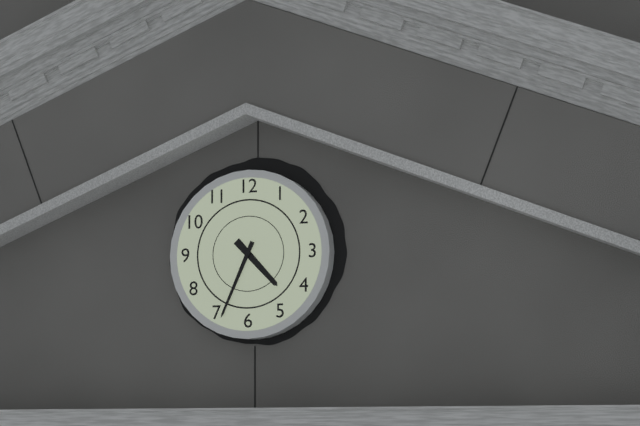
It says 4 h 34 min
